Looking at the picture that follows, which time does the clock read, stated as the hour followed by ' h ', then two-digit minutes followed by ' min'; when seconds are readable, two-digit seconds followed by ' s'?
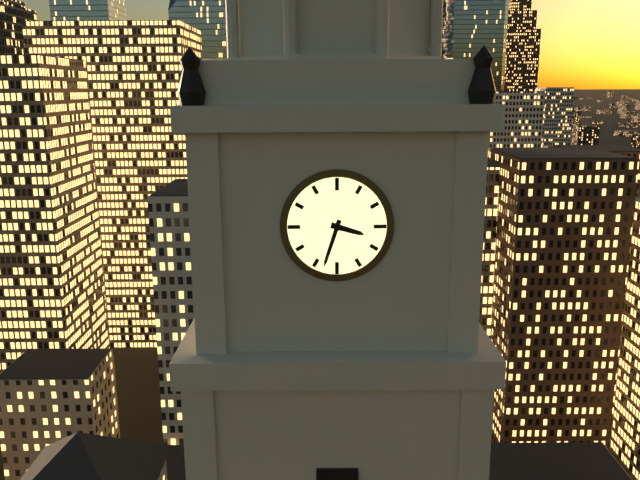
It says 3 h 33 min
